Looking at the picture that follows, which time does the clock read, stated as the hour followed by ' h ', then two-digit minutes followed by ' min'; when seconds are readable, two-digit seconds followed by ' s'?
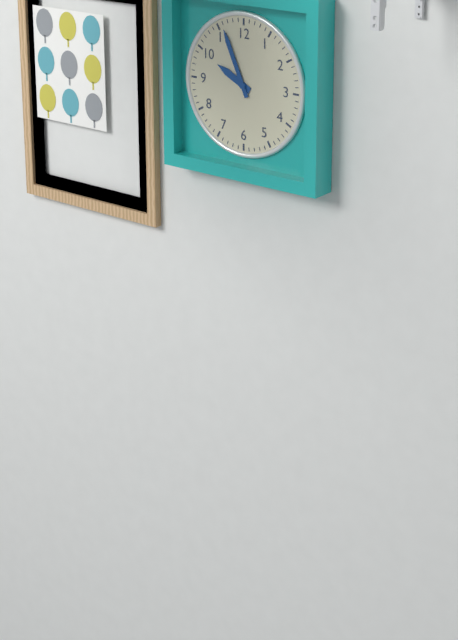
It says 9 h 56 min
